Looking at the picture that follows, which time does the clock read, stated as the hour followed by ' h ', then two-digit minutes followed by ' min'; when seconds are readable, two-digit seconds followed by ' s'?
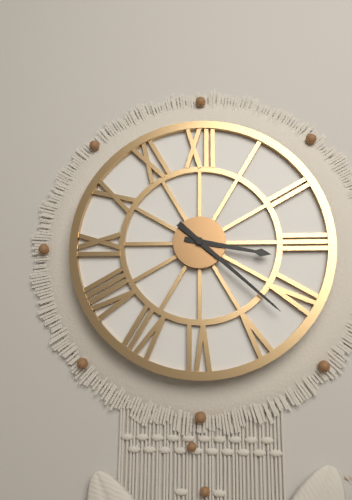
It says 3 h 22 min
